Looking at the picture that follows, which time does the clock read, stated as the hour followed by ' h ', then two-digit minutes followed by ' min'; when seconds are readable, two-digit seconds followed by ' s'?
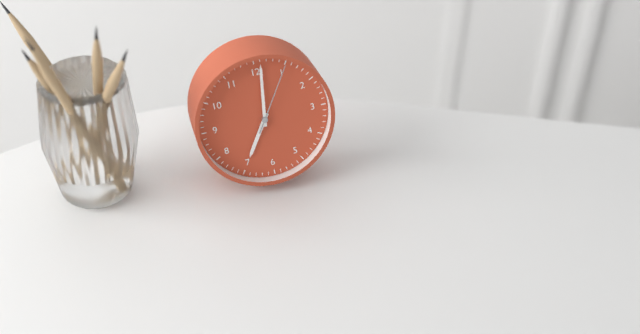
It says 7 h 01 min 05 s
